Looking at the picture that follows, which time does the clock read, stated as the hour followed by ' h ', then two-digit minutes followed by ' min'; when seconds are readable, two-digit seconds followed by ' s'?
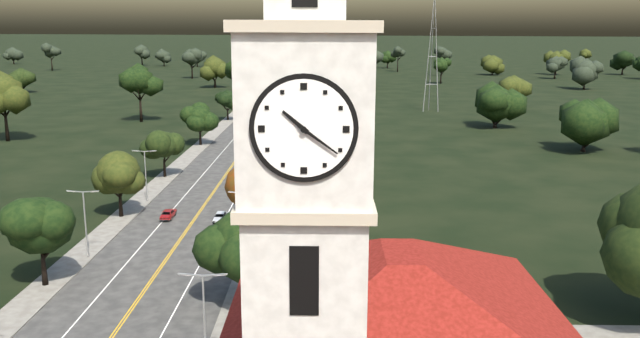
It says 10 h 21 min
